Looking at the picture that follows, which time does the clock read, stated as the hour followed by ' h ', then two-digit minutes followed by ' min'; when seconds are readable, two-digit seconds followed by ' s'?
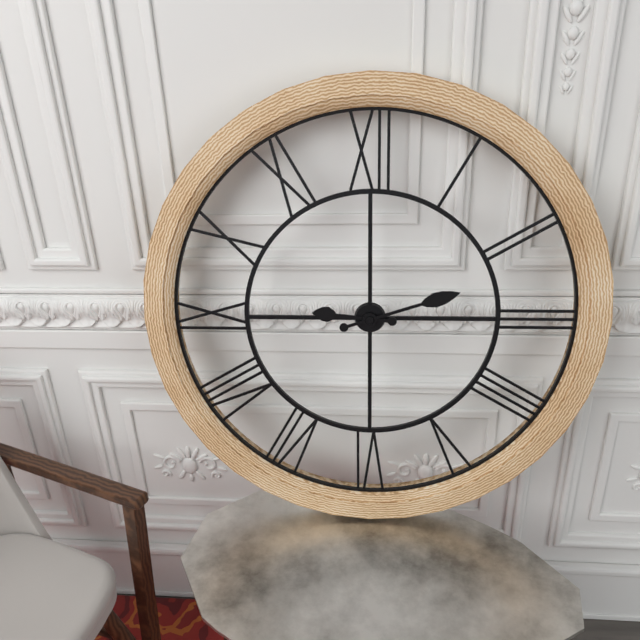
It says 9 h 12 min
